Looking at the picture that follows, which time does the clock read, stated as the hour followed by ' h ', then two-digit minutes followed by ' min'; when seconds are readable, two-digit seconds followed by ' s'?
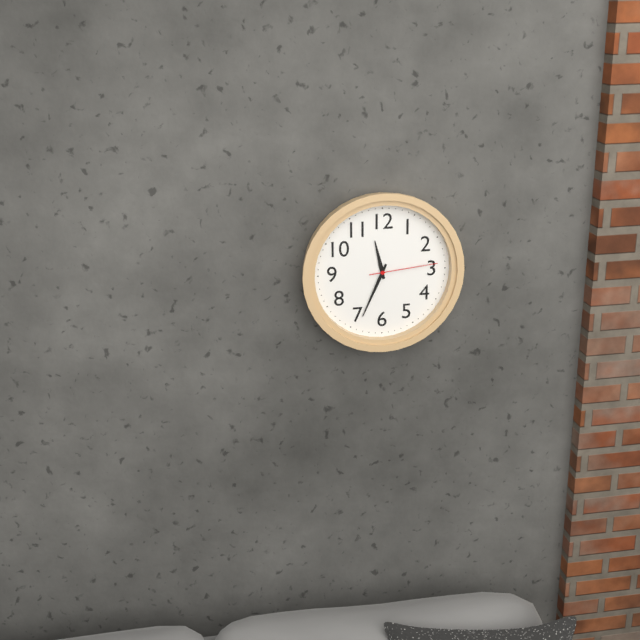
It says 11 h 34 min 14 s
